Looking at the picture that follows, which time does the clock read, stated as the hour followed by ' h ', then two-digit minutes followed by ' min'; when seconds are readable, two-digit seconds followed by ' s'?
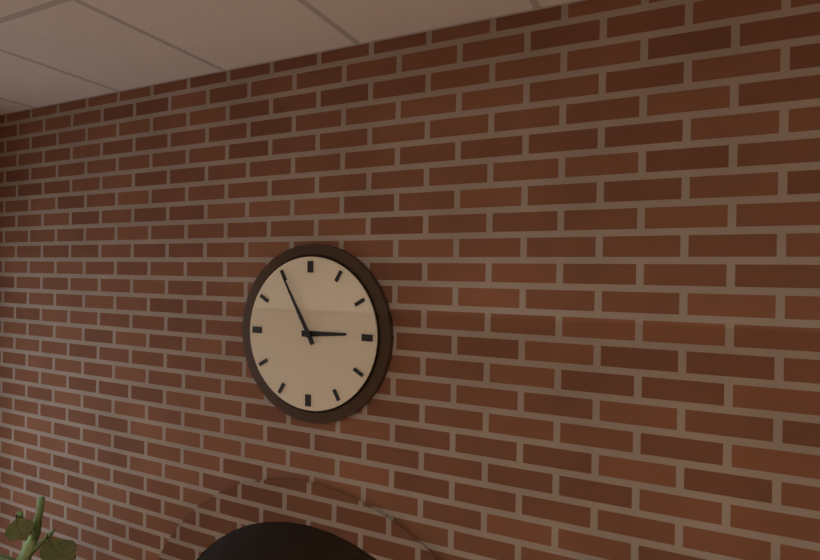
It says 2 h 55 min
